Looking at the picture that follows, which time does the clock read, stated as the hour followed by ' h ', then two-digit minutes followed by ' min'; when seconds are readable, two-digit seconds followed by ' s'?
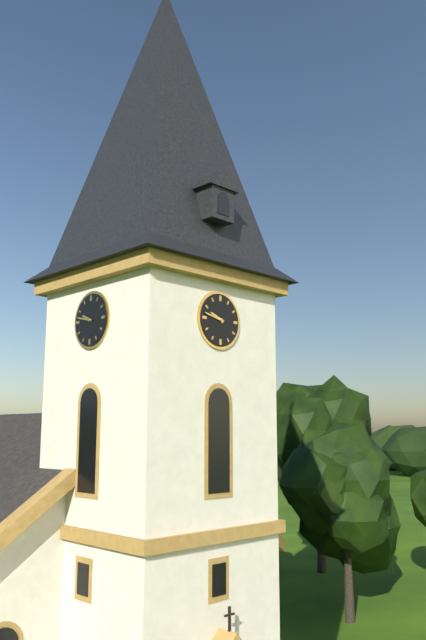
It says 9 h 47 min
